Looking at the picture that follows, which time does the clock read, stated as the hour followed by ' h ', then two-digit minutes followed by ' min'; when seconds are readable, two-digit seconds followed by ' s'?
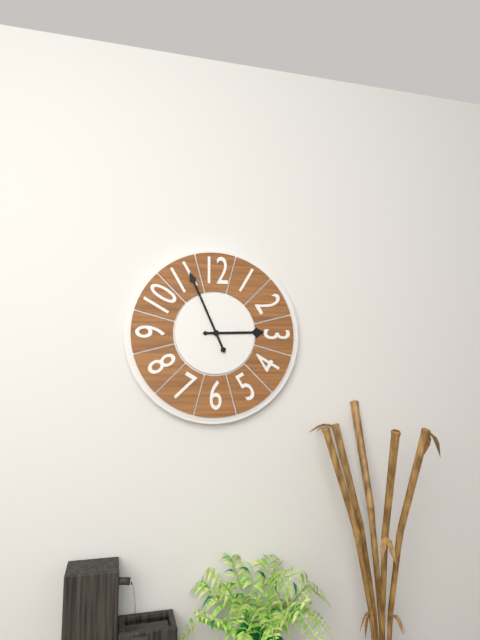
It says 2 h 56 min
